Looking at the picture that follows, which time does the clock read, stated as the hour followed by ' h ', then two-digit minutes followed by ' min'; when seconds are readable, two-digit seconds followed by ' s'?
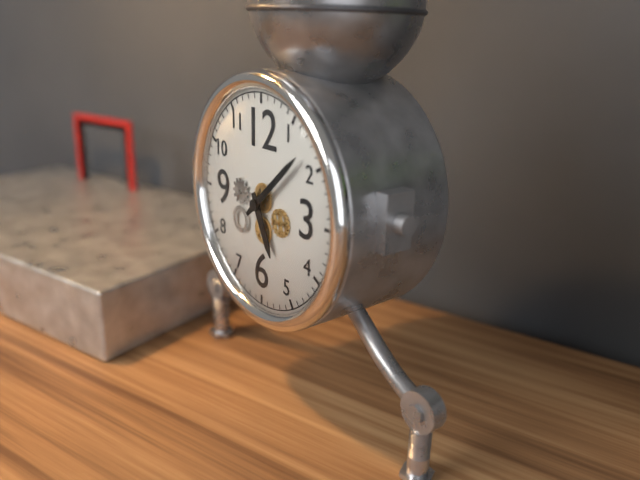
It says 5 h 08 min
